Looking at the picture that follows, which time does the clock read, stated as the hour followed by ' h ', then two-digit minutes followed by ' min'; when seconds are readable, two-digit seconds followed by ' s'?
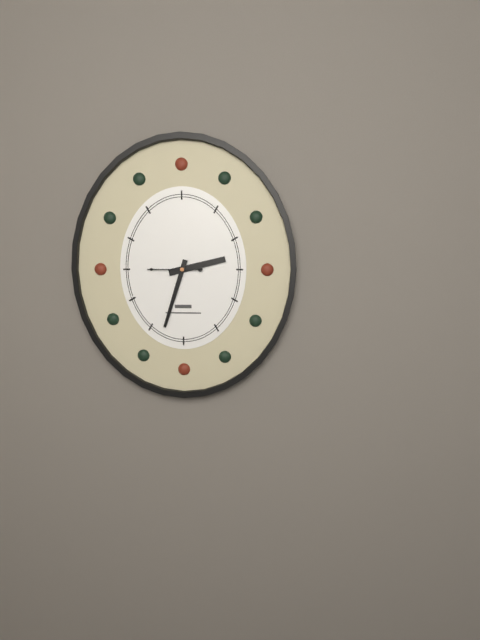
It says 2 h 33 min
